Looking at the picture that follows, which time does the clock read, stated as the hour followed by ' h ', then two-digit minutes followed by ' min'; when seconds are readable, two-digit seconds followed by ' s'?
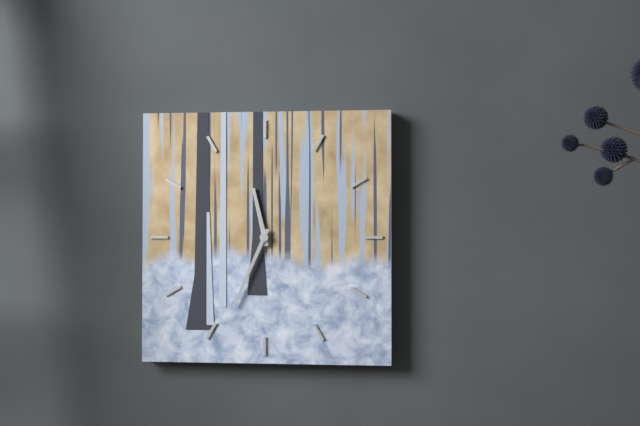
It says 11 h 34 min
